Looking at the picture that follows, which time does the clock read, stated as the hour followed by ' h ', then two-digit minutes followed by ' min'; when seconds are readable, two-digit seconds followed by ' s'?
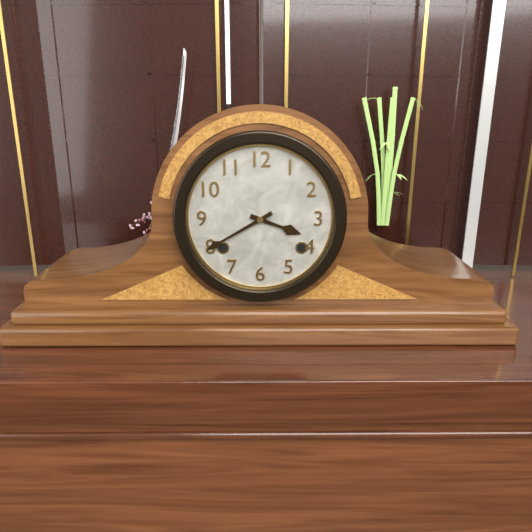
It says 3 h 40 min
